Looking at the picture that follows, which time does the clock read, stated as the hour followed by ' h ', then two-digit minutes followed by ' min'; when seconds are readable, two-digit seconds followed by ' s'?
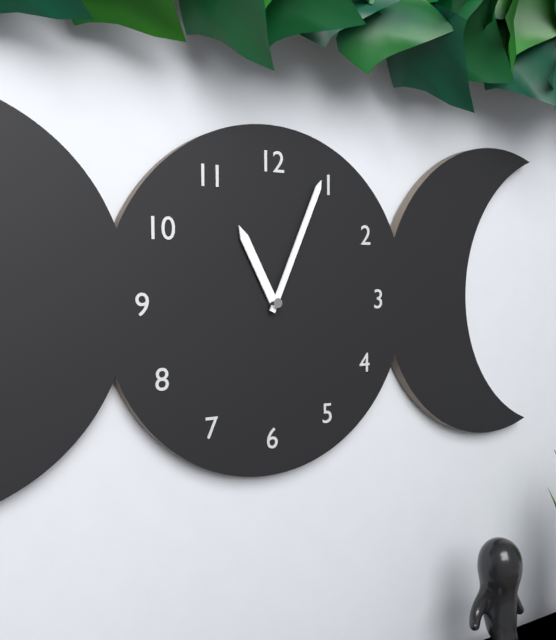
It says 11 h 04 min
